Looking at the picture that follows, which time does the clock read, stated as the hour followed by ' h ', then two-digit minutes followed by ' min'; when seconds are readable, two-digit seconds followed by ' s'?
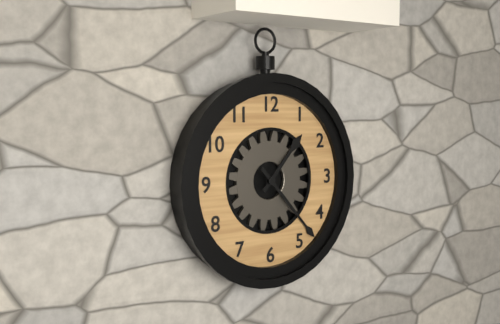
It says 1 h 23 min
